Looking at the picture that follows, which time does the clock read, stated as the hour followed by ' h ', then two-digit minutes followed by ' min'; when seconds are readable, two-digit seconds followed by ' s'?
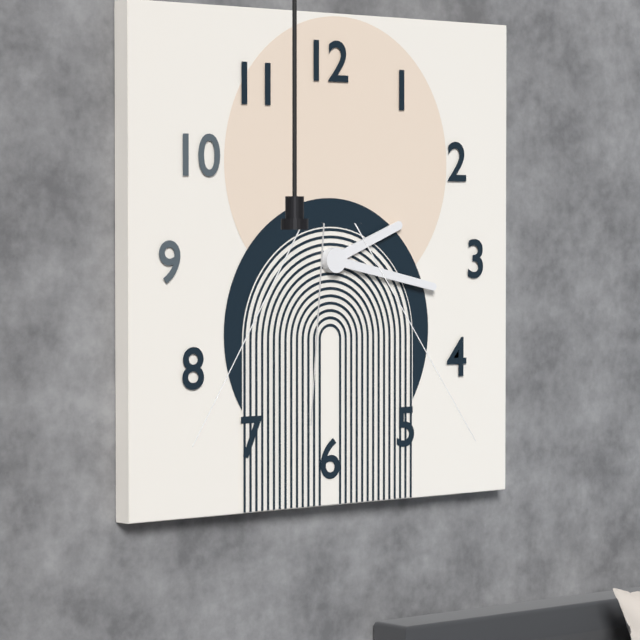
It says 2 h 17 min
